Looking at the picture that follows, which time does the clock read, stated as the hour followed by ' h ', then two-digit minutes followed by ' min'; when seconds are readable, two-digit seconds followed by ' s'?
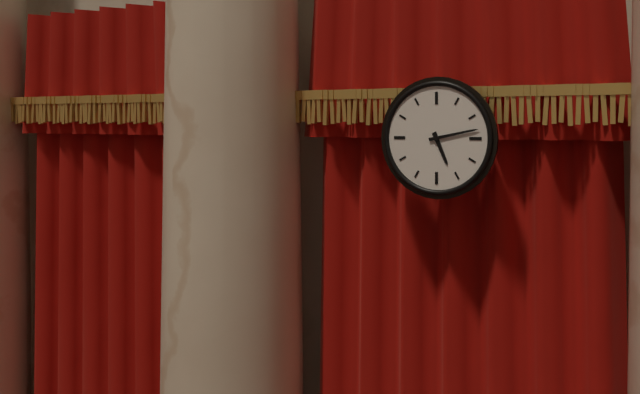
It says 5 h 13 min
